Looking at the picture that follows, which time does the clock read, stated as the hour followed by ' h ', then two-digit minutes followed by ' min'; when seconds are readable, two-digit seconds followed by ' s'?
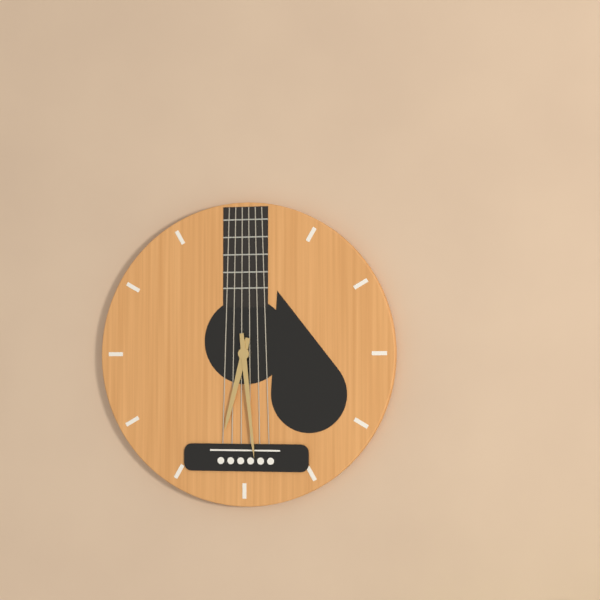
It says 6 h 29 min
